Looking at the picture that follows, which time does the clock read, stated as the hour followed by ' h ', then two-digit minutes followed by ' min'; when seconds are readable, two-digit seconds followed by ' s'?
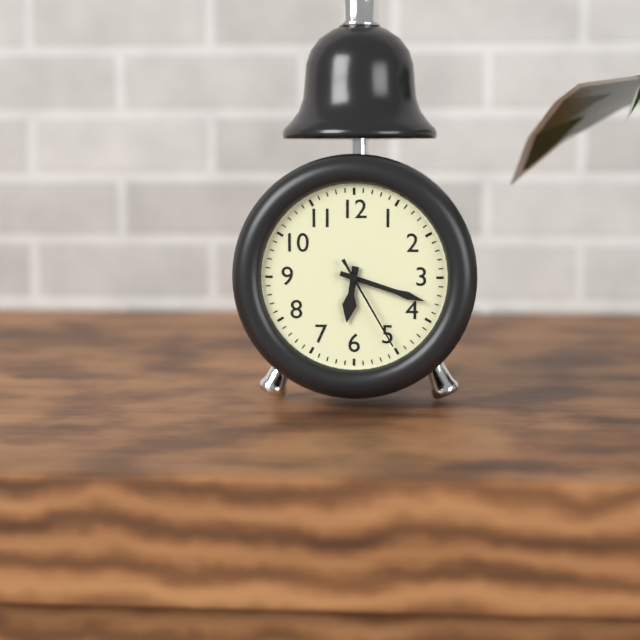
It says 6 h 18 min 25 s
